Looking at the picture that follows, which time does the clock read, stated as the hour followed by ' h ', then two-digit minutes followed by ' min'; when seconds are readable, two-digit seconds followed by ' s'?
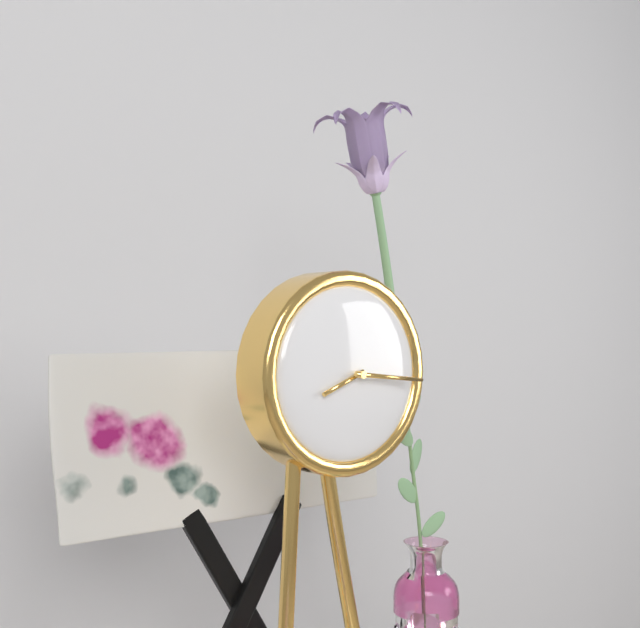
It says 8 h 16 min
